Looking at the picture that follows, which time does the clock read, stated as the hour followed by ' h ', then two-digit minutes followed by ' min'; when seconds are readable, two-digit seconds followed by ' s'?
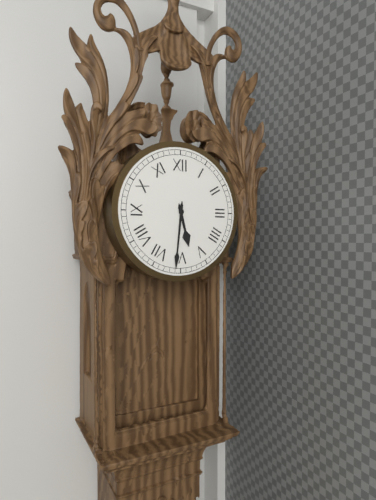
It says 5 h 31 min
